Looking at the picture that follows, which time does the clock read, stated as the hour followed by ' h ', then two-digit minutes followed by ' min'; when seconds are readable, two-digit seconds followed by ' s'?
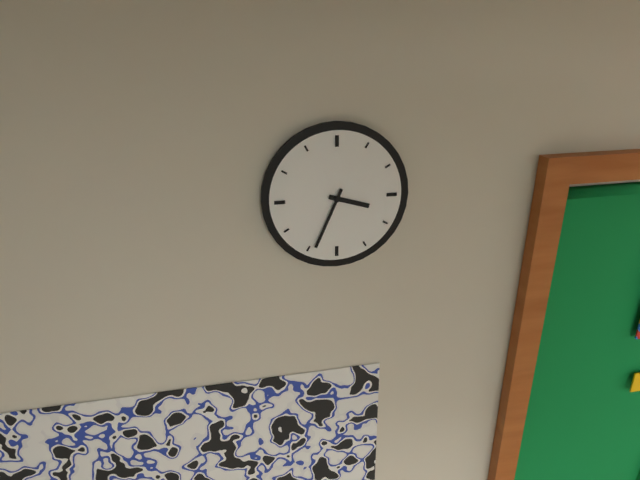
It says 3 h 34 min
